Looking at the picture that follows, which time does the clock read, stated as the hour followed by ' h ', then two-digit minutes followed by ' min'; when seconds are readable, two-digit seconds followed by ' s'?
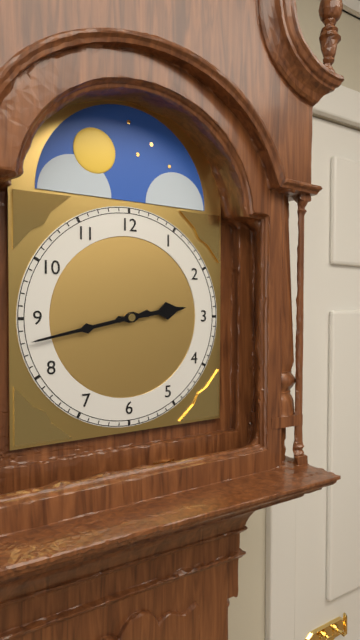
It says 2 h 43 min
